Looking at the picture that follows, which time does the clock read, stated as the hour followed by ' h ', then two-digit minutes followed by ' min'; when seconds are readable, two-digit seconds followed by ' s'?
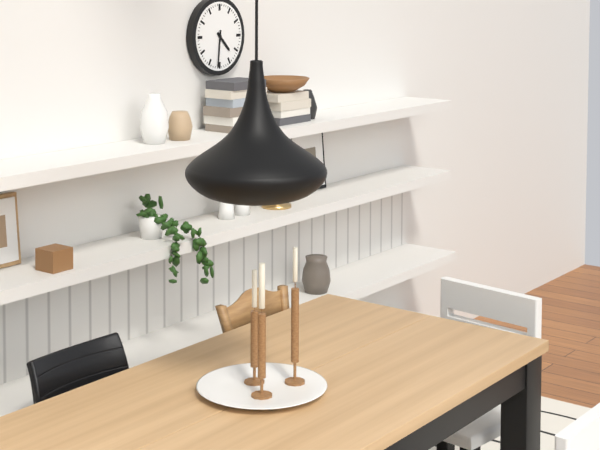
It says 4 h 31 min
